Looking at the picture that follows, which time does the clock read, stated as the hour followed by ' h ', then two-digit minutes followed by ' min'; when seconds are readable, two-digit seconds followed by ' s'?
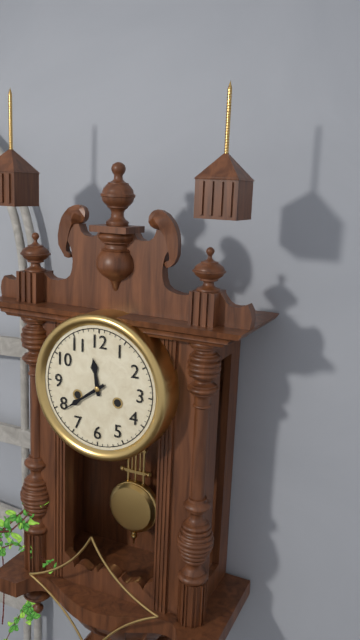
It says 11 h 39 min
